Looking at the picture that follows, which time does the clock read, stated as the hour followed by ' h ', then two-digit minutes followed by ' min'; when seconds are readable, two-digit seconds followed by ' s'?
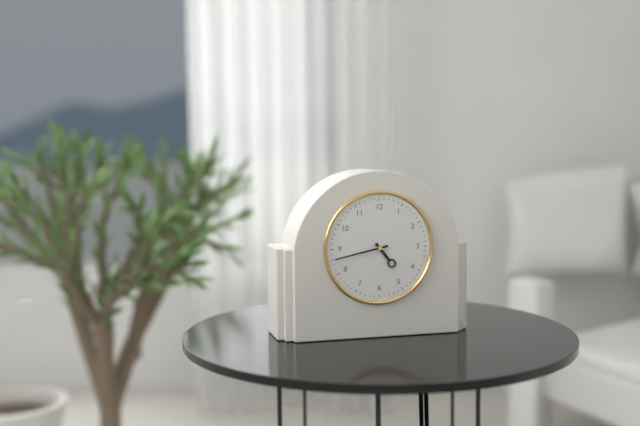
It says 4 h 43 min
